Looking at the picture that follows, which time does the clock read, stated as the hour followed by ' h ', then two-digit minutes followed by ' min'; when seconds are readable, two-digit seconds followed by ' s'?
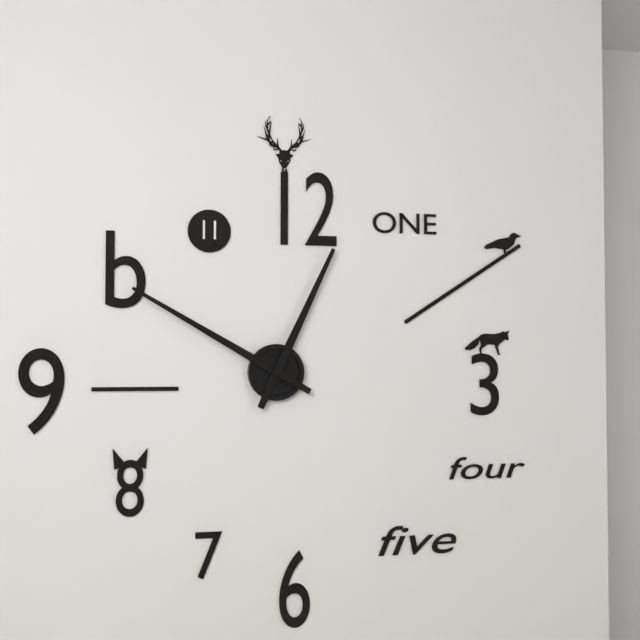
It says 12 h 50 min
